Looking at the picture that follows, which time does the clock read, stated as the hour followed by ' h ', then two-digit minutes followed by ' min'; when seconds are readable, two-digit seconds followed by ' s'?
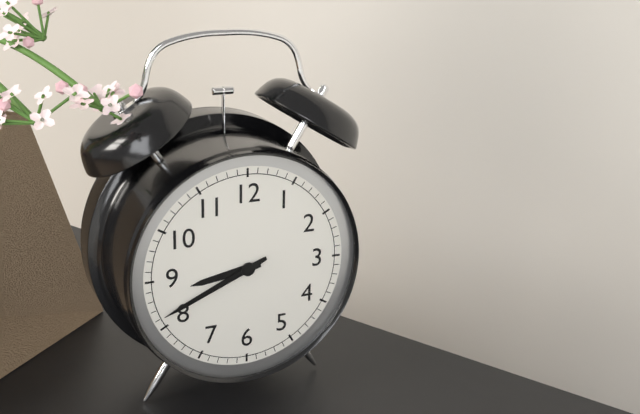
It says 8 h 41 min
